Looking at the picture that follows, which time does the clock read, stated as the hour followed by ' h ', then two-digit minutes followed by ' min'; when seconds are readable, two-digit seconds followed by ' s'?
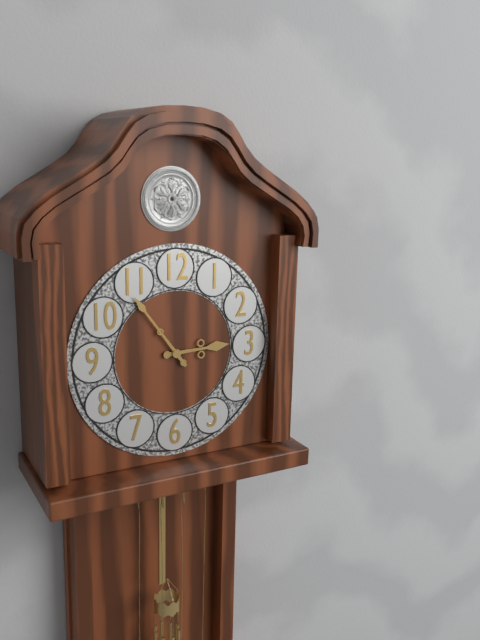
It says 2 h 54 min
